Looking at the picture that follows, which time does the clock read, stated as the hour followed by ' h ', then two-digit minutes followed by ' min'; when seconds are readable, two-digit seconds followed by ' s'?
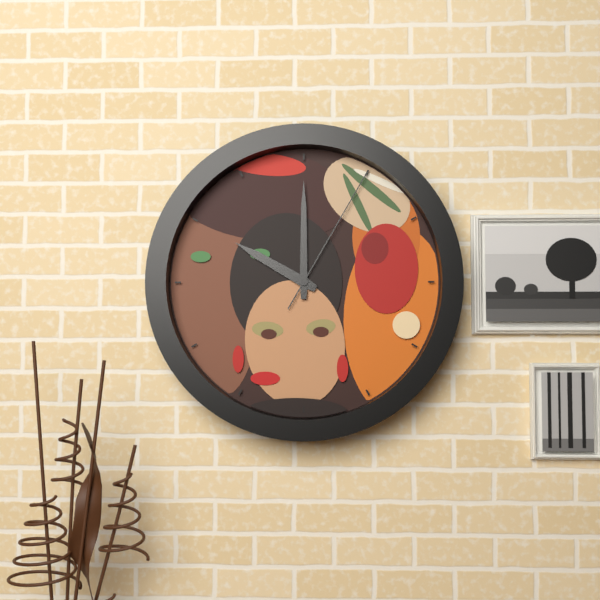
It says 10 h 00 min 05 s
